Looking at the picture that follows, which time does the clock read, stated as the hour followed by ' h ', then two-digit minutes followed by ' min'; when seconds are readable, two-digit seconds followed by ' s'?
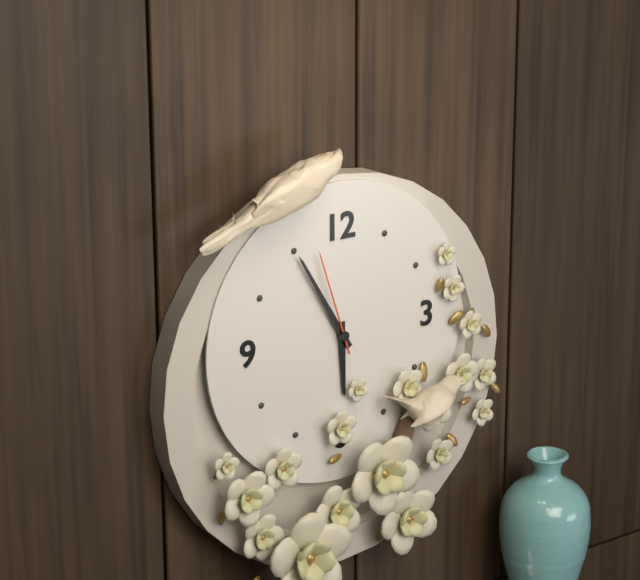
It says 5 h 55 min 57 s
